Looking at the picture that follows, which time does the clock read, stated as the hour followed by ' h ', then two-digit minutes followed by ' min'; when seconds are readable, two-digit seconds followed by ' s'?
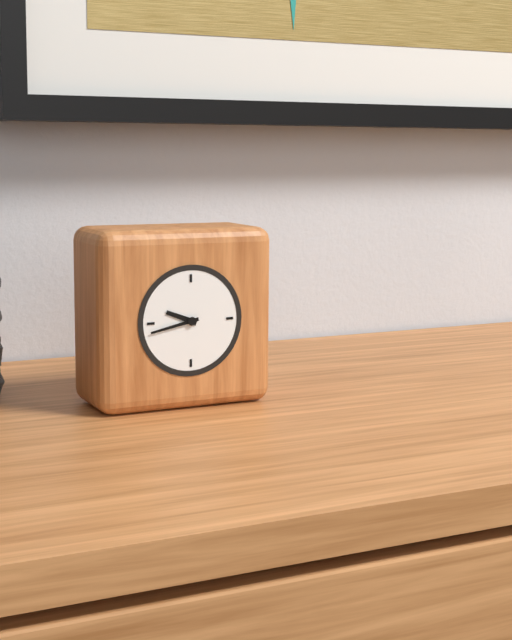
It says 9 h 43 min
